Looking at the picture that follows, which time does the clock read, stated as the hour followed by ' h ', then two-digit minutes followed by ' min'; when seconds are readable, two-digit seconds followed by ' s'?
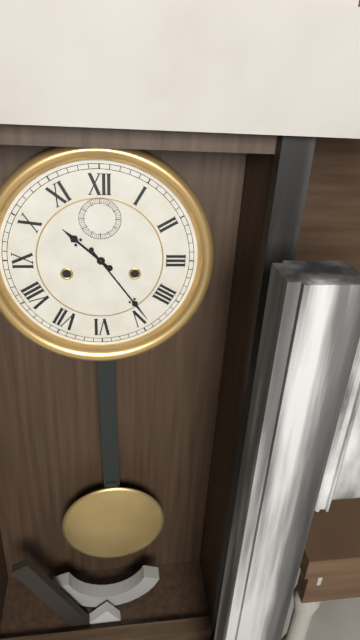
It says 10 h 24 min
